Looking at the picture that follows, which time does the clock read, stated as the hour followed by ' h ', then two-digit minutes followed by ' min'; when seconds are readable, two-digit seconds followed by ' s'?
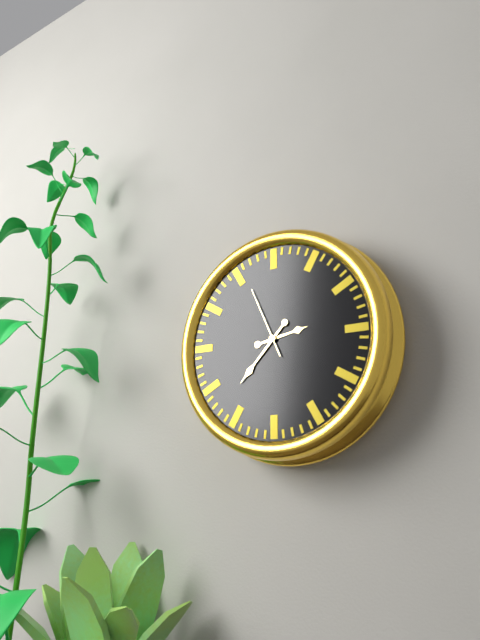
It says 2 h 37 min 56 s
